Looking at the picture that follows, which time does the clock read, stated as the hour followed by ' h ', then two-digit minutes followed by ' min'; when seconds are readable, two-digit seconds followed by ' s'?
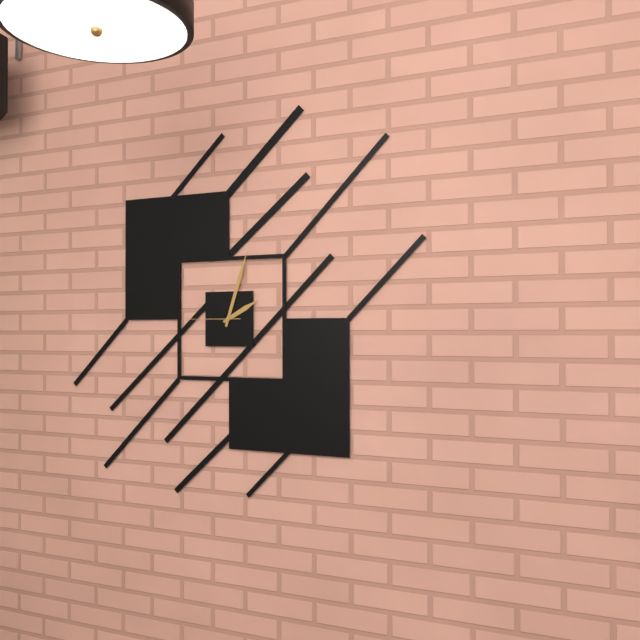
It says 2 h 03 min 45 s
